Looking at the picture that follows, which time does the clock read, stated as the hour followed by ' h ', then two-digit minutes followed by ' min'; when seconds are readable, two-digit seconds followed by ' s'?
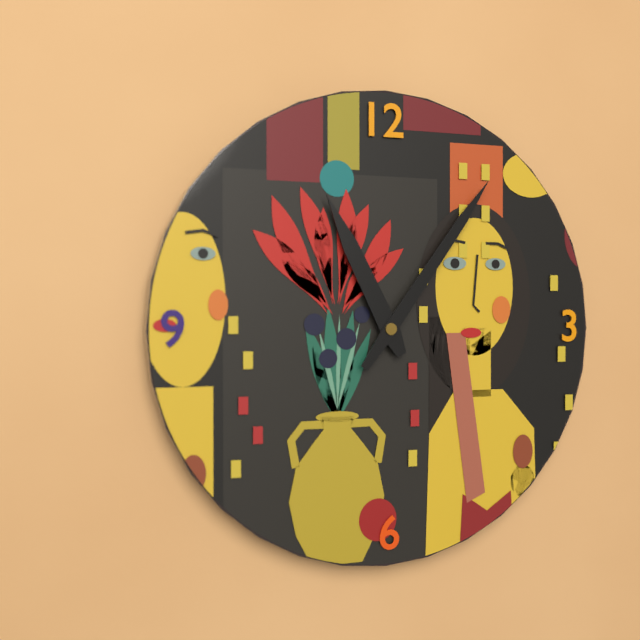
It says 11 h 06 min
